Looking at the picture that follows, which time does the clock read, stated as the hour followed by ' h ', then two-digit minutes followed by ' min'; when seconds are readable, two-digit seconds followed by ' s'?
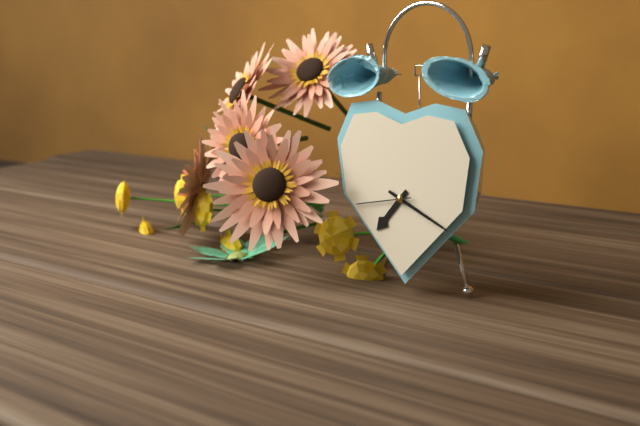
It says 7 h 19 min 43 s
